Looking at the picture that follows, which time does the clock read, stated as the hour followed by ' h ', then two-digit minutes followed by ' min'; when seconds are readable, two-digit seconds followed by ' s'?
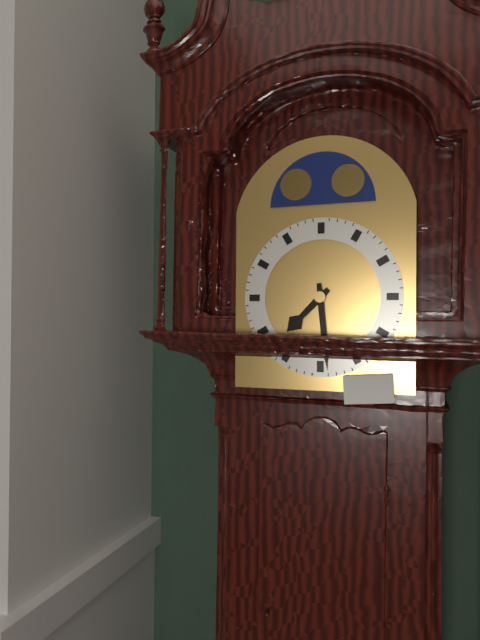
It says 7 h 29 min
